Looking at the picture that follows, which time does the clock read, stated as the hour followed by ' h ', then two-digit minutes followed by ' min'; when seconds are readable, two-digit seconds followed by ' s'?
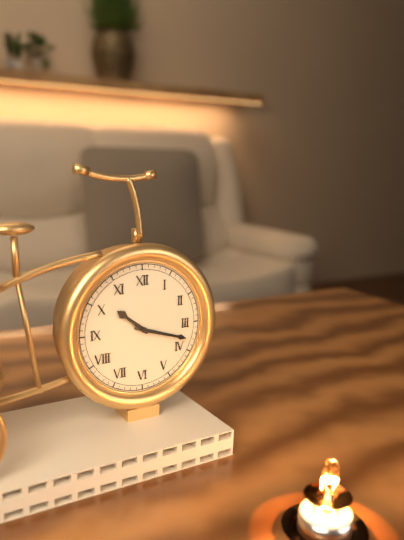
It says 10 h 18 min
